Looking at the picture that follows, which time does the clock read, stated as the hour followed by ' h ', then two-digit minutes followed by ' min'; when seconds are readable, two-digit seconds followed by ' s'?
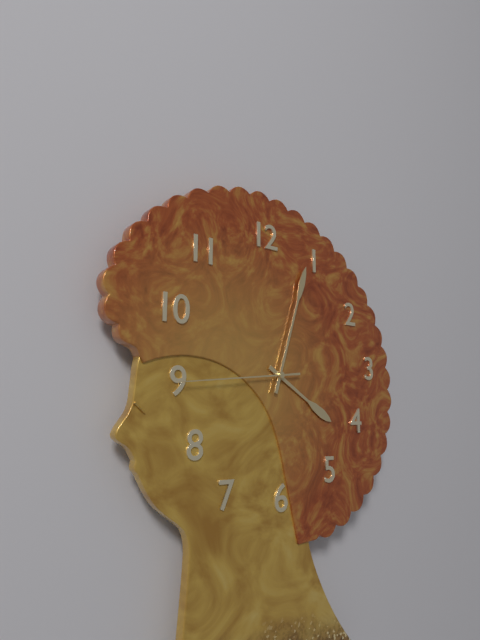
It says 4 h 03 min 44 s
